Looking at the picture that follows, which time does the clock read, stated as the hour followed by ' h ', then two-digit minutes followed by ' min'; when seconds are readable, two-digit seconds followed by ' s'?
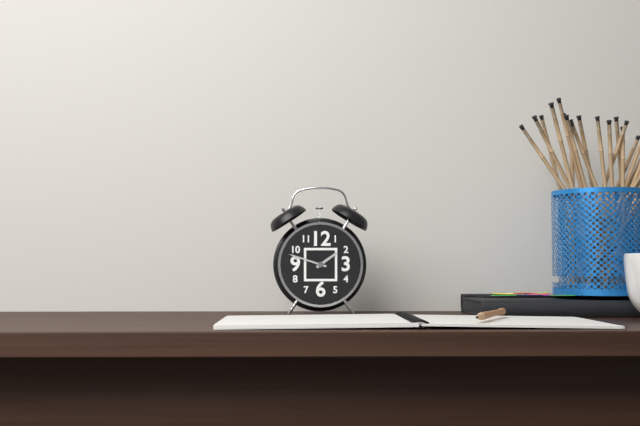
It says 1 h 48 min
